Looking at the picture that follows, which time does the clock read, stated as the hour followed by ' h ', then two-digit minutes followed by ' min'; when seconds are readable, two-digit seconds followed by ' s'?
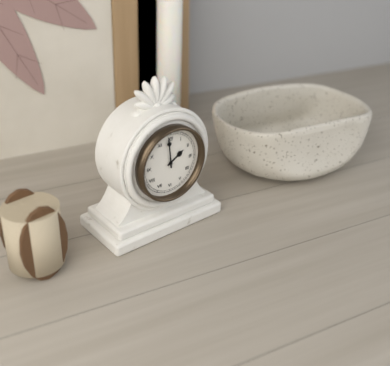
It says 1 h 59 min
